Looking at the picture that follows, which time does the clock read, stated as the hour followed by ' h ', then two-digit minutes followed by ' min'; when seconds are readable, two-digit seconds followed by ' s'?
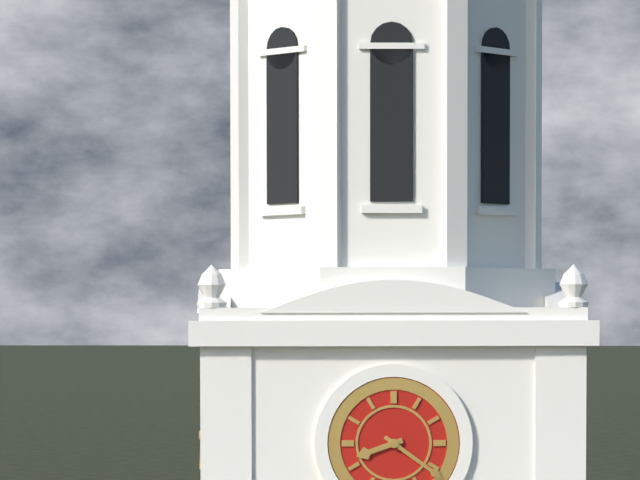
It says 8 h 21 min
